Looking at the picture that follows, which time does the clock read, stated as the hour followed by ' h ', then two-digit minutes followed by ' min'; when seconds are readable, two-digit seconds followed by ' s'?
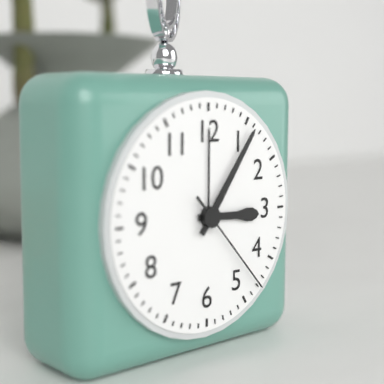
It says 3 h 06 min 23 s
